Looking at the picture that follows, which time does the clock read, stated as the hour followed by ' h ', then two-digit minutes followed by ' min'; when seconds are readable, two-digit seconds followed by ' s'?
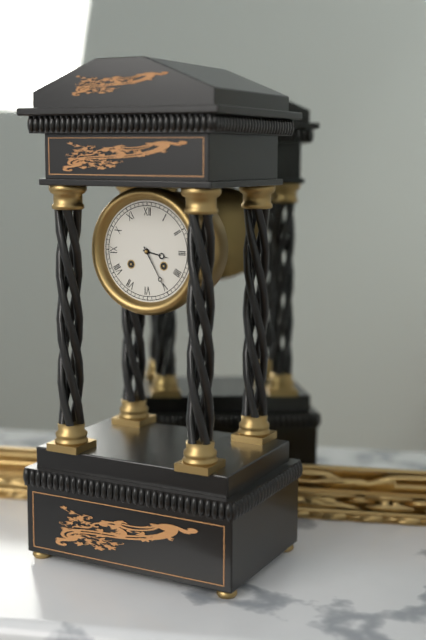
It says 3 h 25 min
